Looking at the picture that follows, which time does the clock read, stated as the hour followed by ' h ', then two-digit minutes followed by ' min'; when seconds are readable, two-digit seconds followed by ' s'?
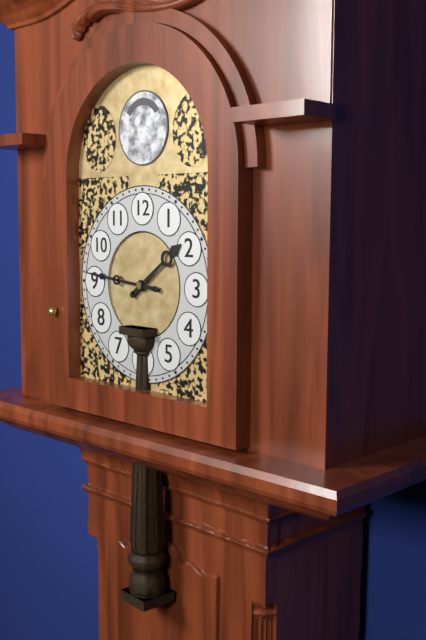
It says 1 h 46 min
